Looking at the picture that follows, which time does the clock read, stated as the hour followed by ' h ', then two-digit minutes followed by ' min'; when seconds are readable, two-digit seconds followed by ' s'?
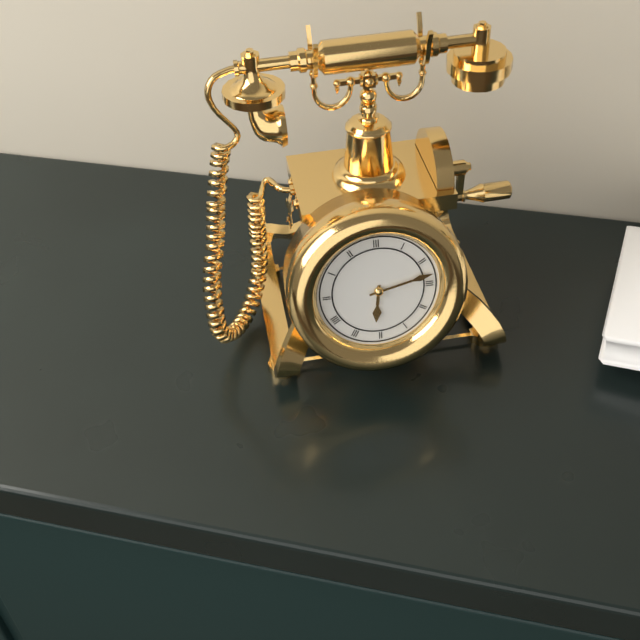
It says 6 h 13 min
